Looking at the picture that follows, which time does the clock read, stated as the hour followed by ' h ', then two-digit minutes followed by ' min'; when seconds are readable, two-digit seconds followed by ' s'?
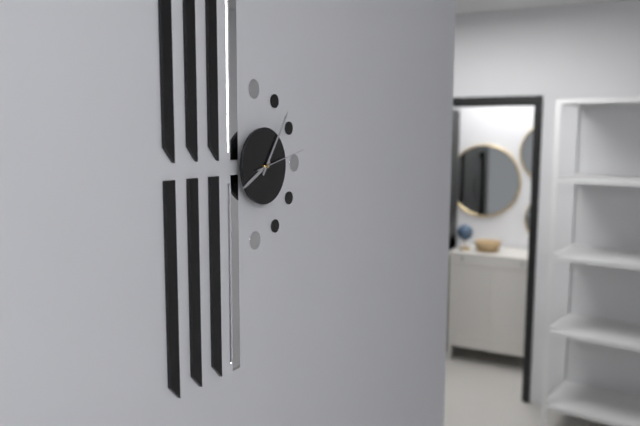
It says 8 h 06 min
